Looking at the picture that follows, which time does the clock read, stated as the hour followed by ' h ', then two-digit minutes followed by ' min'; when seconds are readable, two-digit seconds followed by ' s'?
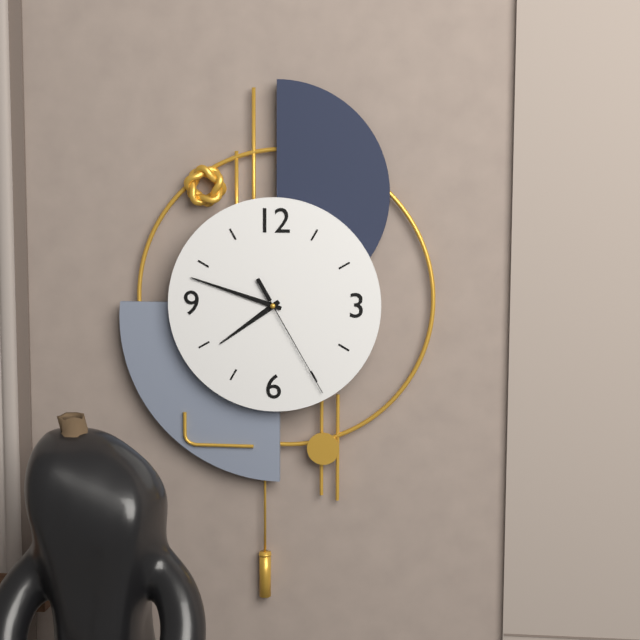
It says 7 h 48 min 25 s
